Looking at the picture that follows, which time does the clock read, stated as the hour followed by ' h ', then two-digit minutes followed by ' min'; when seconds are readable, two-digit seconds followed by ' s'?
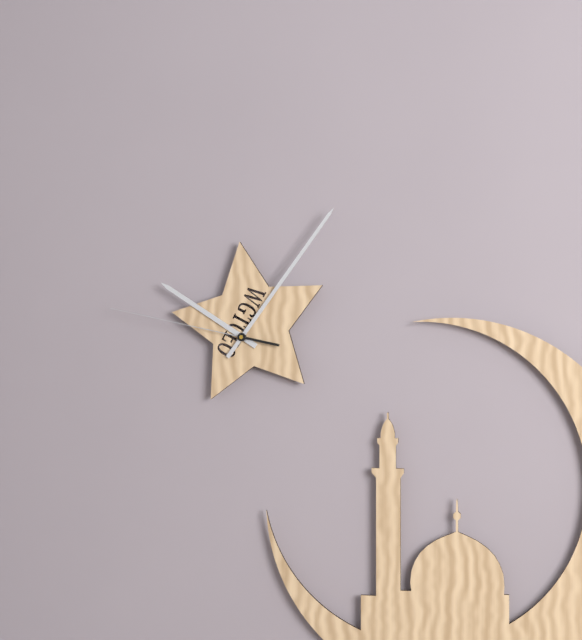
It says 10 h 06 min 47 s
